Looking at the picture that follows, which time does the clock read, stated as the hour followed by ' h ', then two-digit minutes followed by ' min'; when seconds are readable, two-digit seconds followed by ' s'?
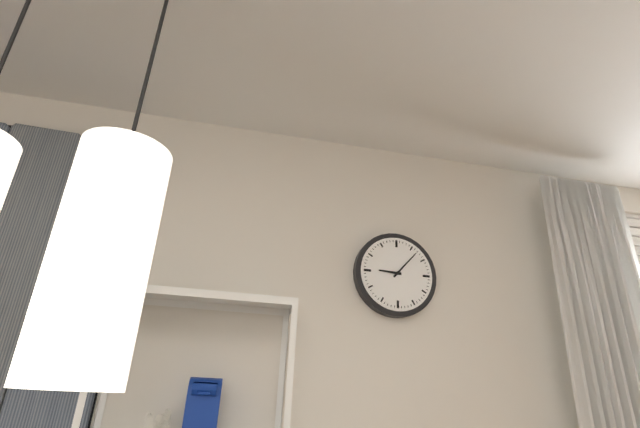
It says 9 h 07 min
